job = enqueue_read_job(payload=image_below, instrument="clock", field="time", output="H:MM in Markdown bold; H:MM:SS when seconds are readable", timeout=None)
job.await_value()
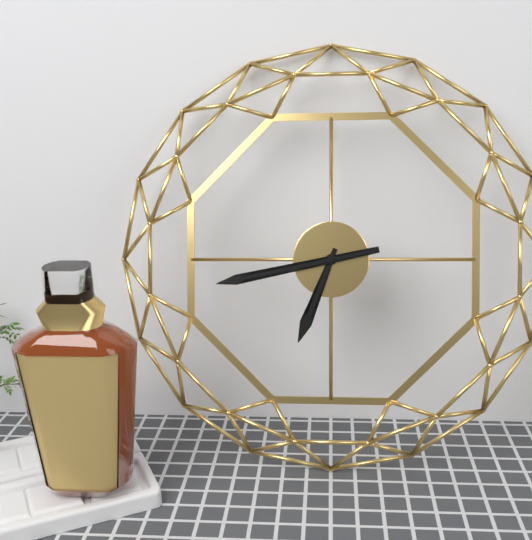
**6:43**
